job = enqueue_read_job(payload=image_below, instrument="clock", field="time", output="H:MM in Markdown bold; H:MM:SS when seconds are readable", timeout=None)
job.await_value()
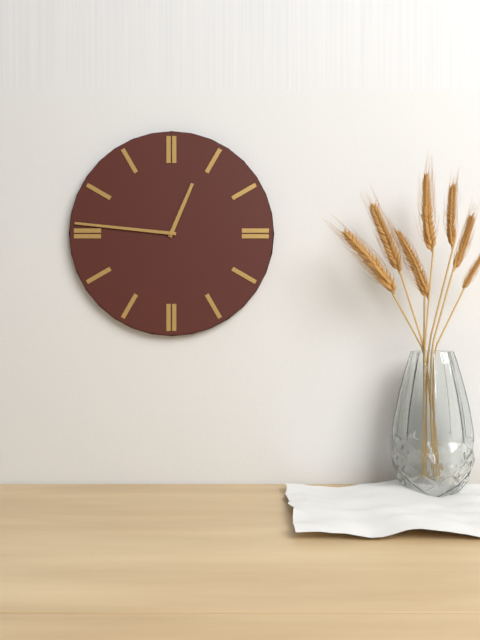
**12:46**
